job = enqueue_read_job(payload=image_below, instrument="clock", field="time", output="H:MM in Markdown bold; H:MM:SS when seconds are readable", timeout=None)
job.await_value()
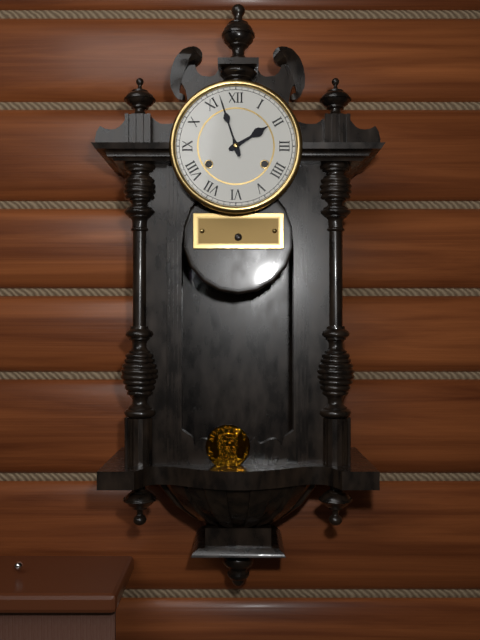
**1:57**
